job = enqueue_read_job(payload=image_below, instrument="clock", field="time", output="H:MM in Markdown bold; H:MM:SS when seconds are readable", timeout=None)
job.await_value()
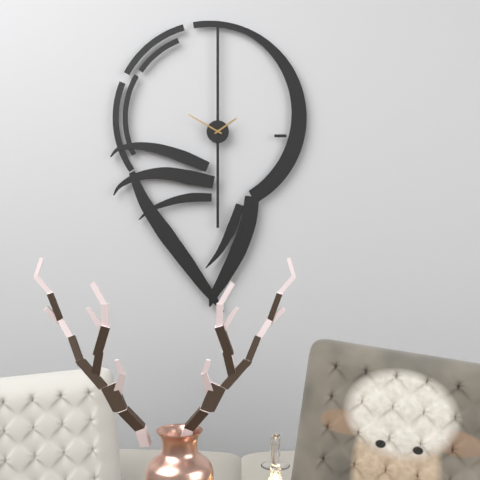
**1:50**
